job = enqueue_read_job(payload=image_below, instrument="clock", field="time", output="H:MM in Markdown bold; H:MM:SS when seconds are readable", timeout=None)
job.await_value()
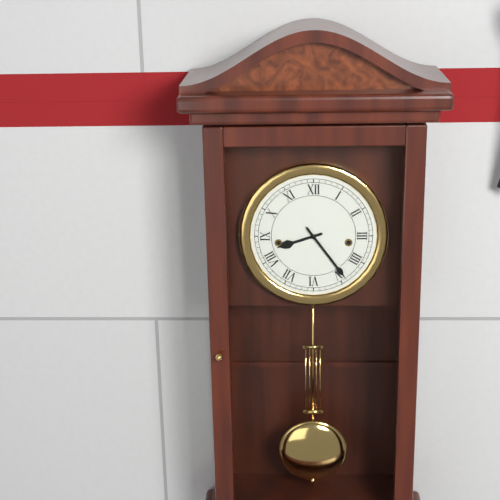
**8:24**
